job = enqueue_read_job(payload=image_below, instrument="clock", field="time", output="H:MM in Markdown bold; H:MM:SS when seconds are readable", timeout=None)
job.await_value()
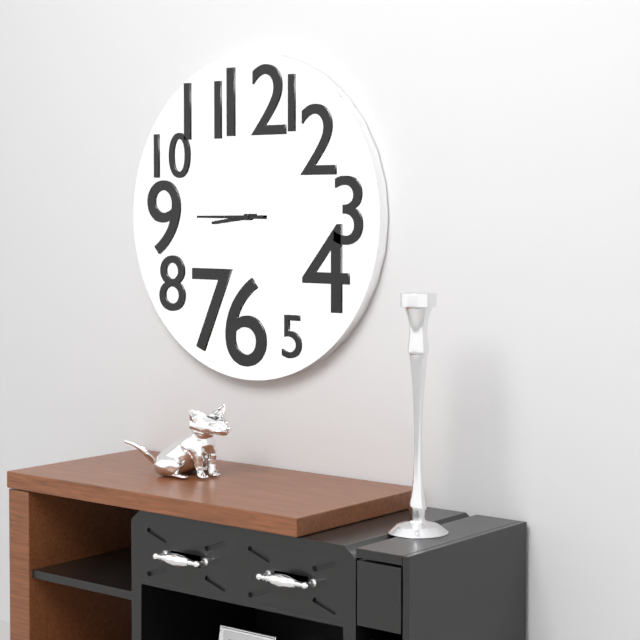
**8:45**
